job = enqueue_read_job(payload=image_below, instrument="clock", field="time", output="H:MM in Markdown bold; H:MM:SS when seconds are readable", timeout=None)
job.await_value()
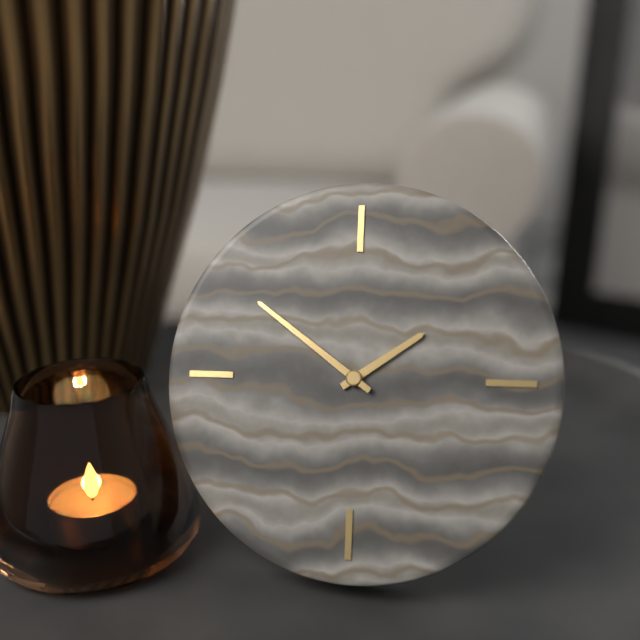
**1:51**
